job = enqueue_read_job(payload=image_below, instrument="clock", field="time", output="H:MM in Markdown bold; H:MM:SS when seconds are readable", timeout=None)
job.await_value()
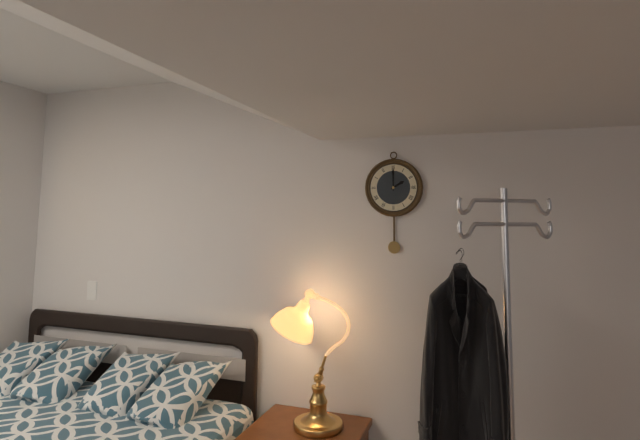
**2:00**
